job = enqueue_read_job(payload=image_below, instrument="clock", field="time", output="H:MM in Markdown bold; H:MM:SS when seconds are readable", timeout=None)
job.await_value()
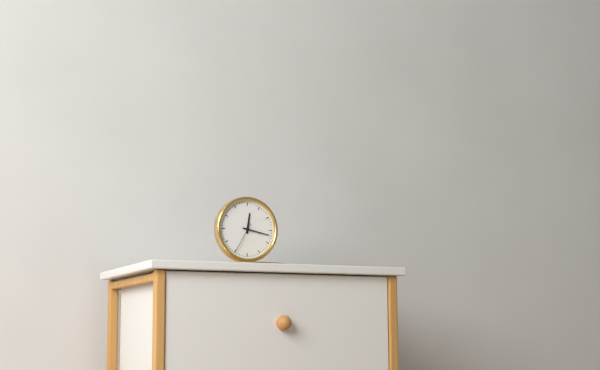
**12:17**
